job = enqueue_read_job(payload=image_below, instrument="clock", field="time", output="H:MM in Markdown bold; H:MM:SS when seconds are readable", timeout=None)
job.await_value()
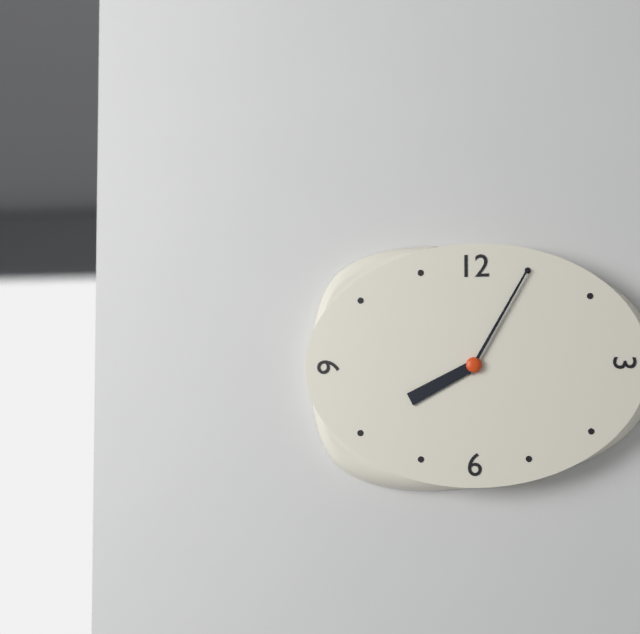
**8:05**
